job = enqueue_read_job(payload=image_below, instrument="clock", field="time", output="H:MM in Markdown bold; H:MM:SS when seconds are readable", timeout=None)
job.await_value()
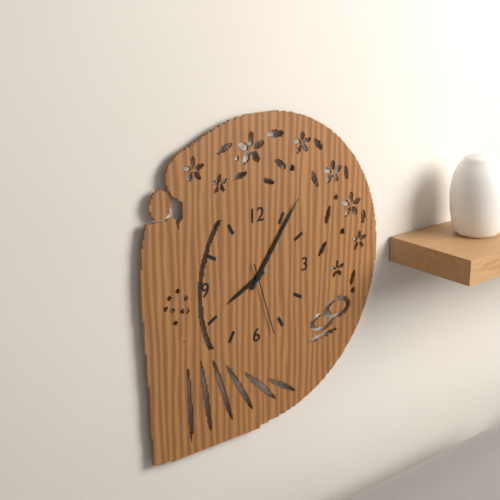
**8:06:27**
